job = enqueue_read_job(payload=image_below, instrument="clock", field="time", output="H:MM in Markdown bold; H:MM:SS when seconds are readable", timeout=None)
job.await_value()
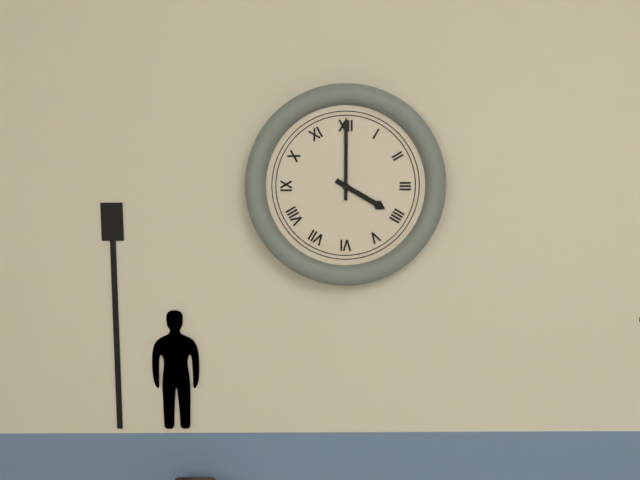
**4:00**
